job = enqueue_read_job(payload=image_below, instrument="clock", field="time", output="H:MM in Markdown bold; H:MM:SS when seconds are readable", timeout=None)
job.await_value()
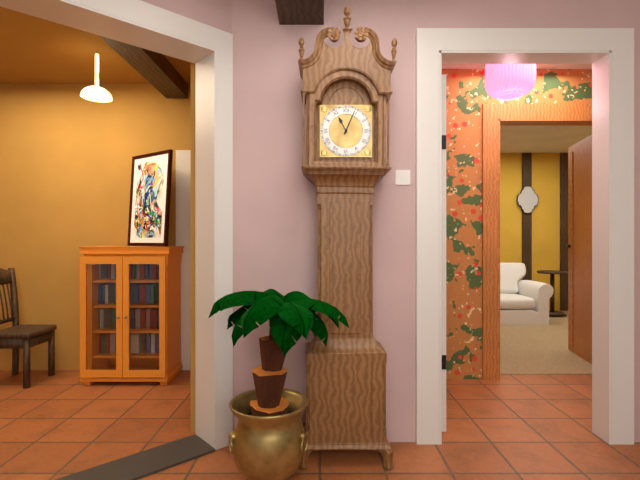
**11:04**
